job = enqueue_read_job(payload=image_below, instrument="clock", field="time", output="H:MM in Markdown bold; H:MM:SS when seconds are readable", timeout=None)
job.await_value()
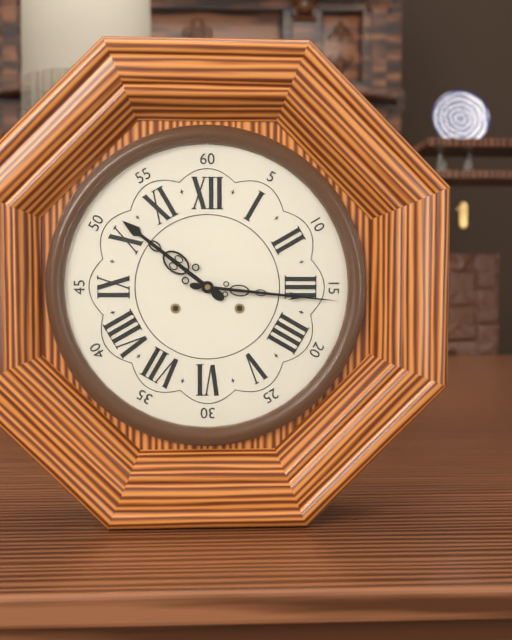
**10:16**
